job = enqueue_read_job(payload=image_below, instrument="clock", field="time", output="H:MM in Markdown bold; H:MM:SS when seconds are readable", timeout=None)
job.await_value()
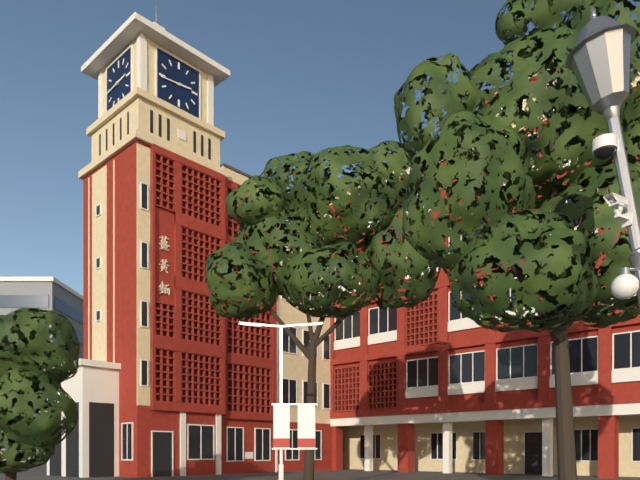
**2:44**
